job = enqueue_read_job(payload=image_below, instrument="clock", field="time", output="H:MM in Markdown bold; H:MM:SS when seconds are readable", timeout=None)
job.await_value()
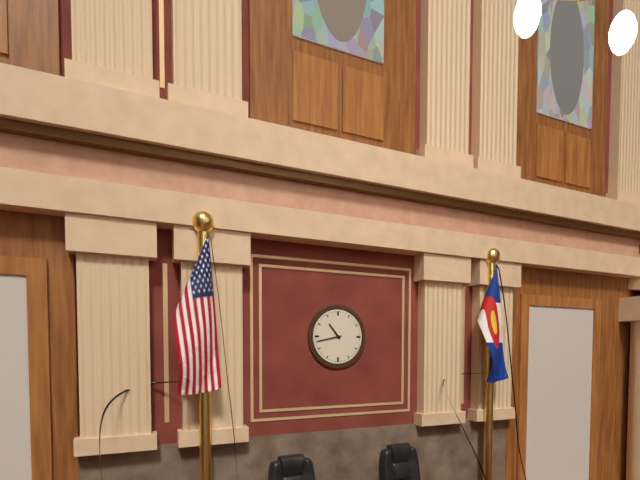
**10:43**
